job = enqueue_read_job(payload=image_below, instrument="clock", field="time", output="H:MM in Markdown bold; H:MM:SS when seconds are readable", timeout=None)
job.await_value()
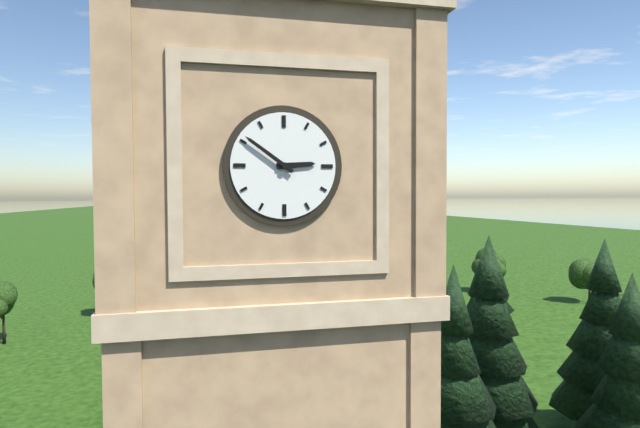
**2:51**
